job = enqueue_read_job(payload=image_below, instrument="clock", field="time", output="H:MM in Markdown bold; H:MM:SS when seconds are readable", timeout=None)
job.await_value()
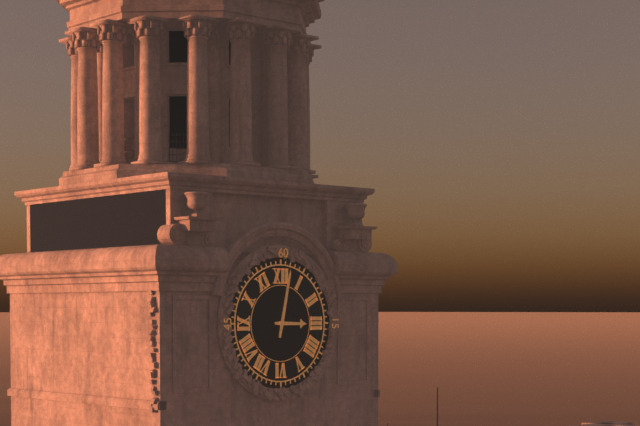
**3:02**
